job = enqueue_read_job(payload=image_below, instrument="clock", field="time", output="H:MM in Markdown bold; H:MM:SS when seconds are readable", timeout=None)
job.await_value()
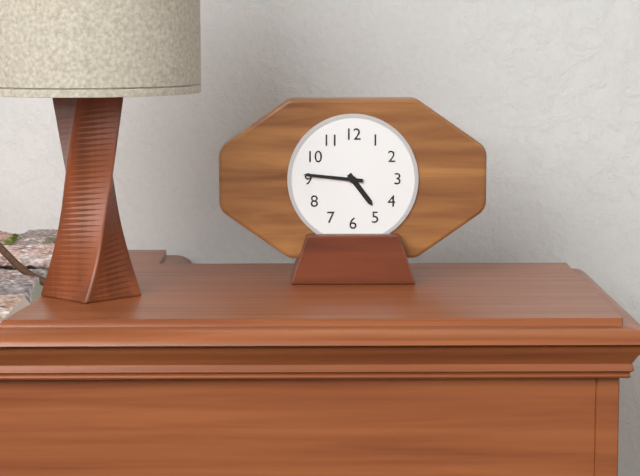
**4:46**
